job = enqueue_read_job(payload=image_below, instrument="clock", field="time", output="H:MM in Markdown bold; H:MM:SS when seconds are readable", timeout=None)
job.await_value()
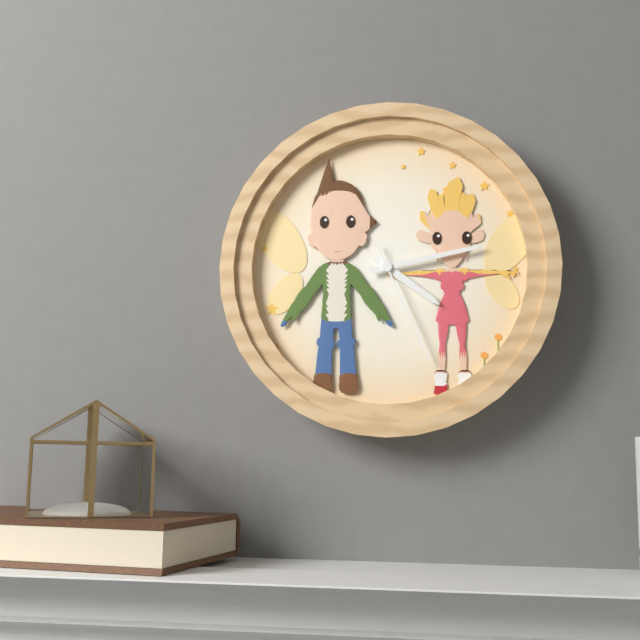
**4:13:26**
